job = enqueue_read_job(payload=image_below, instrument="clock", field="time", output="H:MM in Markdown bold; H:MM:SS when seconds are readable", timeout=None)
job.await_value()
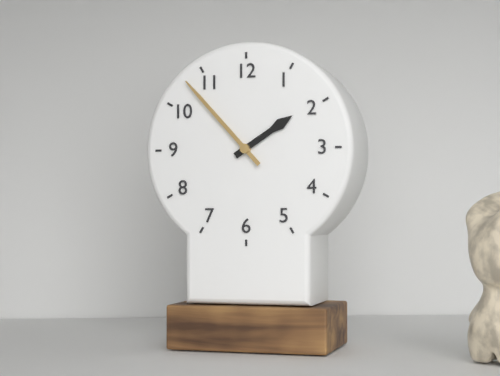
**1:53**
